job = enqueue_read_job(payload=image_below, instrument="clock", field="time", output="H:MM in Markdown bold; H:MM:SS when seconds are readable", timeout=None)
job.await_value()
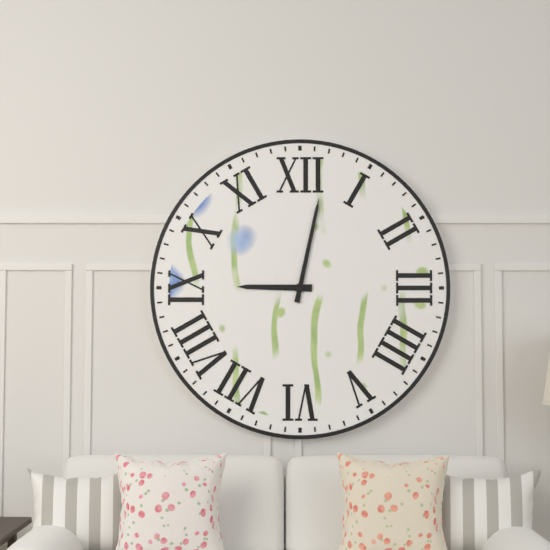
**9:02**
